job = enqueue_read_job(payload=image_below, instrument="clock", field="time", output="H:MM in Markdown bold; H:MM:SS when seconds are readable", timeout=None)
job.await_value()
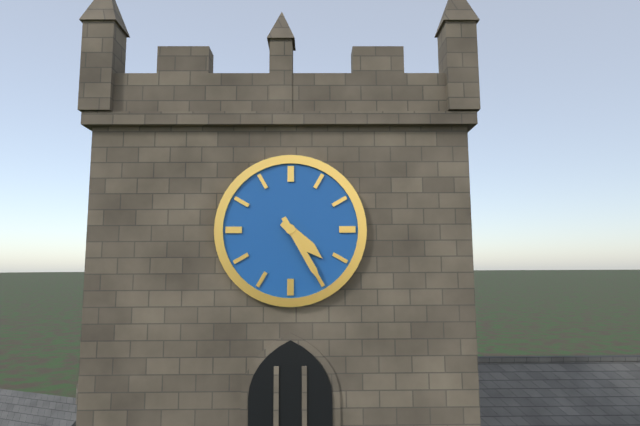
**4:25**
